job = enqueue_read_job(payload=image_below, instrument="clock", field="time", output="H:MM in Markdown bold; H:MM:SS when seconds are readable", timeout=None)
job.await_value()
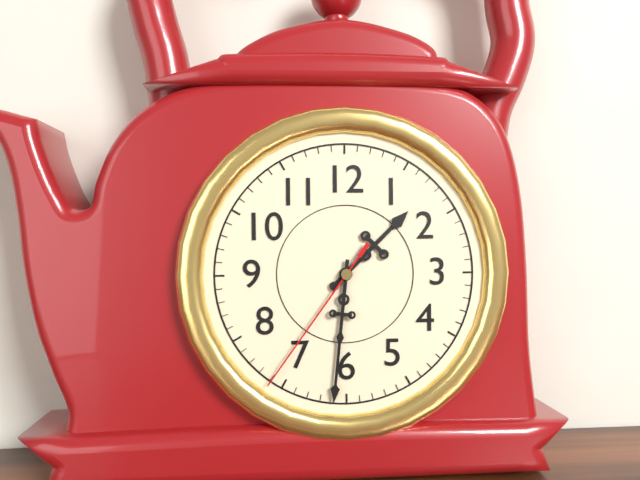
**1:31:36**
